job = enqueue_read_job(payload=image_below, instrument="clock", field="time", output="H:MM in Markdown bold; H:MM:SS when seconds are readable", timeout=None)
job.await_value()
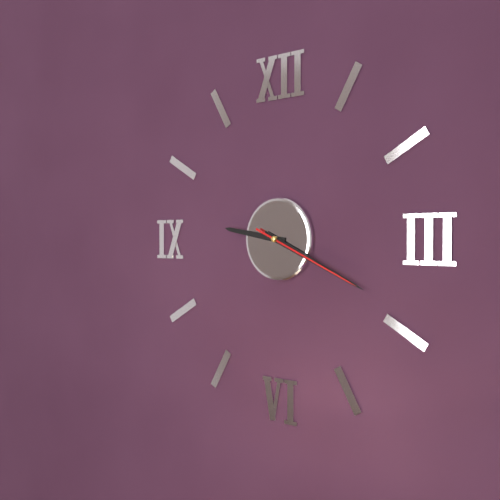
**9:19:19**
